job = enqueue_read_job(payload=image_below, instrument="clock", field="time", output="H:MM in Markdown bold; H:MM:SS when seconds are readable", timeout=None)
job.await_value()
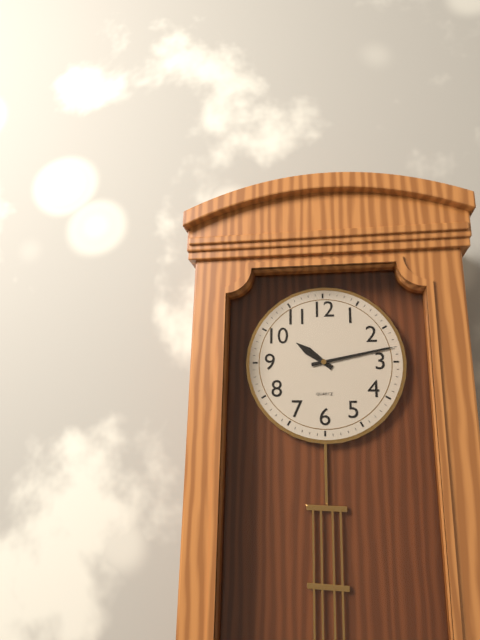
**10:13**
